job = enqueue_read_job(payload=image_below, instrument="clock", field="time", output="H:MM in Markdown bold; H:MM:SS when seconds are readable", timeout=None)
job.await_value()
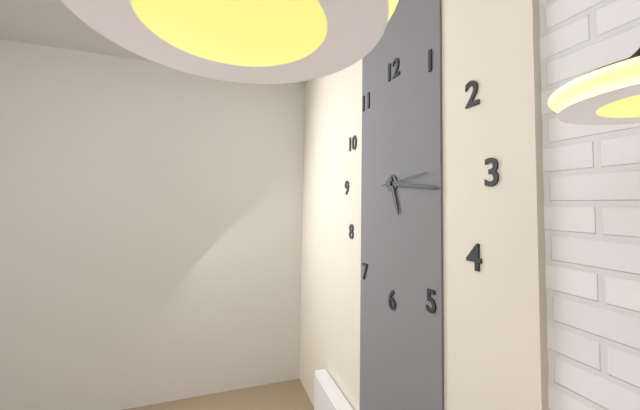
**5:16**
